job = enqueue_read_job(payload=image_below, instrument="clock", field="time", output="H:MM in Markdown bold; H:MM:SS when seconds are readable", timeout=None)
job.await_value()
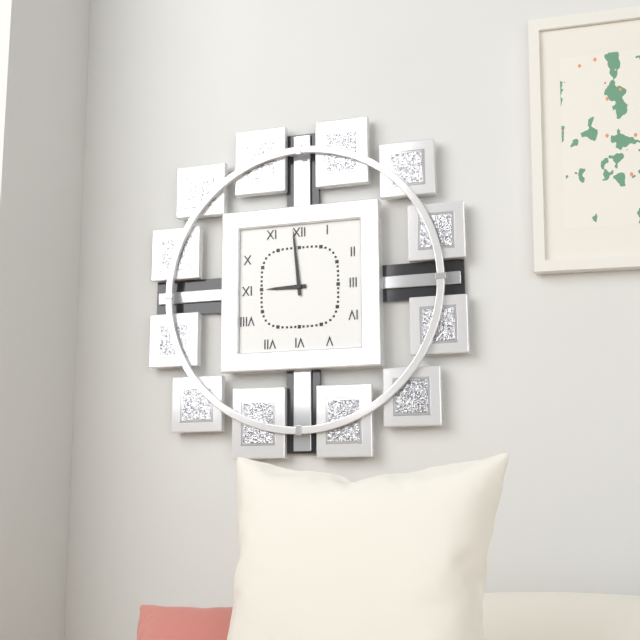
**8:59**
